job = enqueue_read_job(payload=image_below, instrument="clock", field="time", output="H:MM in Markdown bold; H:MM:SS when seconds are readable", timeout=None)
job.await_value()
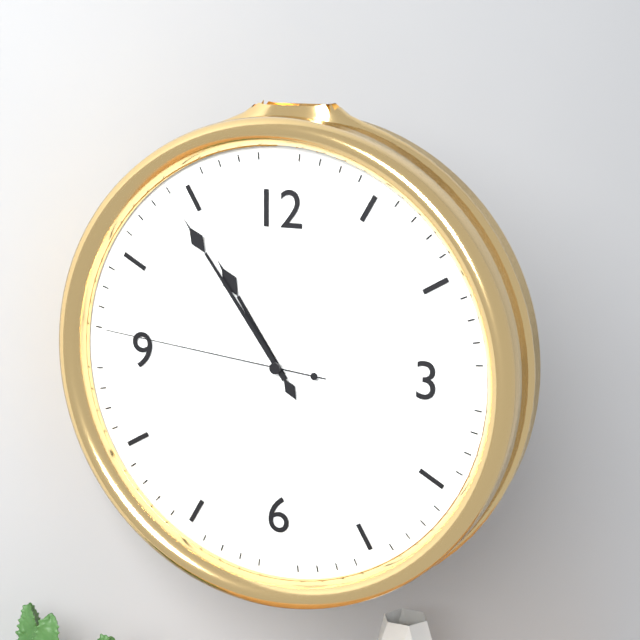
**10:54:46**
